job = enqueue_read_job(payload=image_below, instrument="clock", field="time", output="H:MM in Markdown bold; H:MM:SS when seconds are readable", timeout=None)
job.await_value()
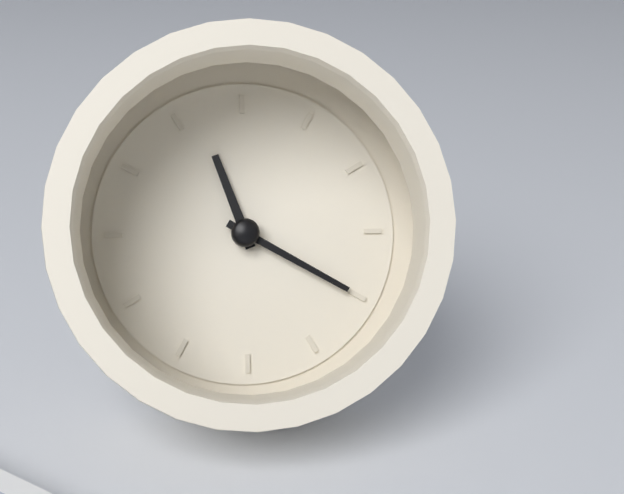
**11:20**
